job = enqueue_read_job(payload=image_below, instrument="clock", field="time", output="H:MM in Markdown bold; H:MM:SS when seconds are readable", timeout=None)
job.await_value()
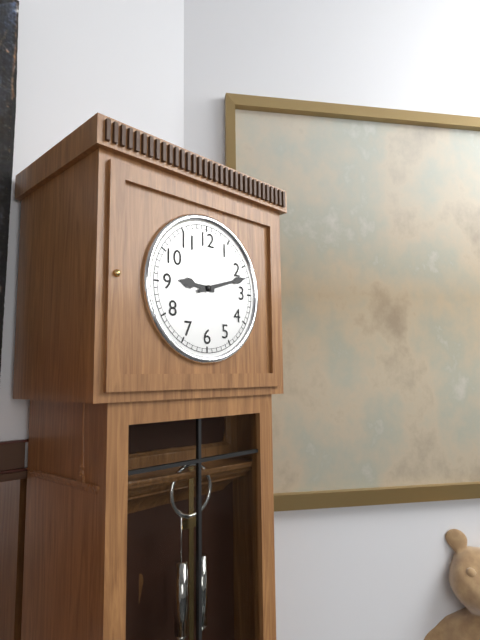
**9:12**
